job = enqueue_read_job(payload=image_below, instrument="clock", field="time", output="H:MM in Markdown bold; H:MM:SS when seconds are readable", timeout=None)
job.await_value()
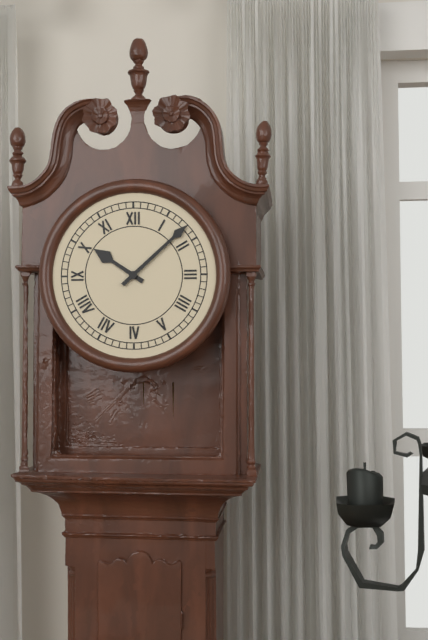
**10:08**
